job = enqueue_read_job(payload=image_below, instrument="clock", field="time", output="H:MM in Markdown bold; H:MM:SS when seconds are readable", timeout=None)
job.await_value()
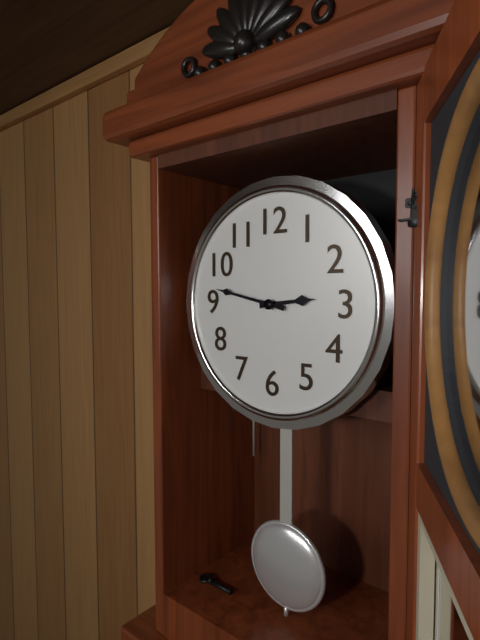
**2:47**
